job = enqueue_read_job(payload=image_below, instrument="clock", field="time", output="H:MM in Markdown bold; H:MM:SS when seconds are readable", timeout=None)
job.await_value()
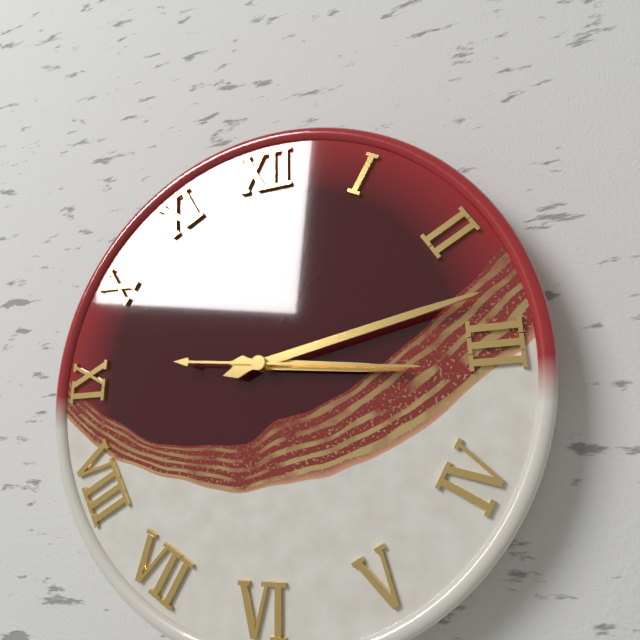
**3:13:16**
